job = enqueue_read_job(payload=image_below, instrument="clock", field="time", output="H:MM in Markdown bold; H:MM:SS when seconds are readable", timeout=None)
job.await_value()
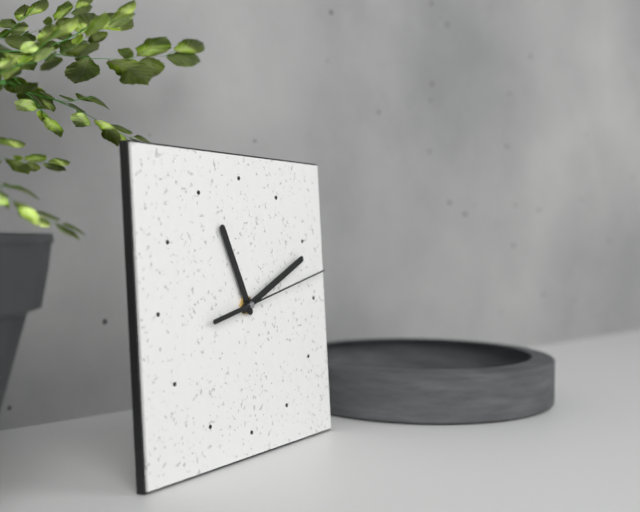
**11:11:13**
